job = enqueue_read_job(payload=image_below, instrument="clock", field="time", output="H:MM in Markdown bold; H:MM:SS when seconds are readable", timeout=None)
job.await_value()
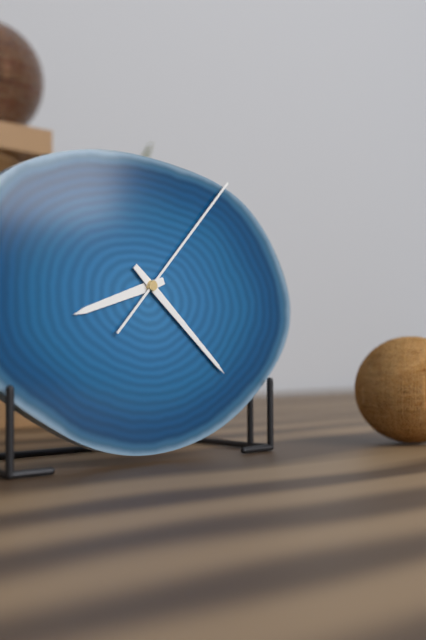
**8:22:07**
